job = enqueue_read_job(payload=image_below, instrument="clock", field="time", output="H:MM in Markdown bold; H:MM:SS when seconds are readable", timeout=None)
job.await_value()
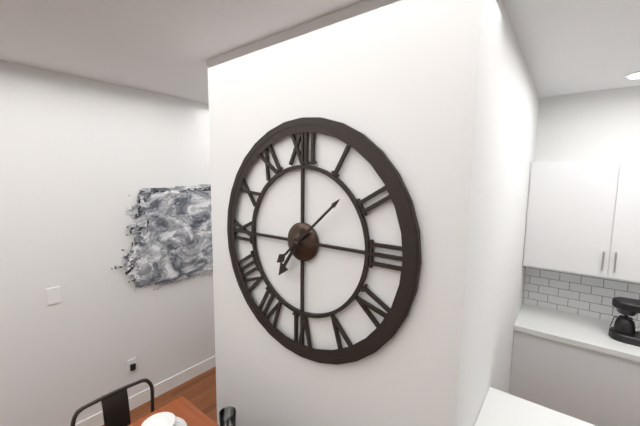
**7:08**
